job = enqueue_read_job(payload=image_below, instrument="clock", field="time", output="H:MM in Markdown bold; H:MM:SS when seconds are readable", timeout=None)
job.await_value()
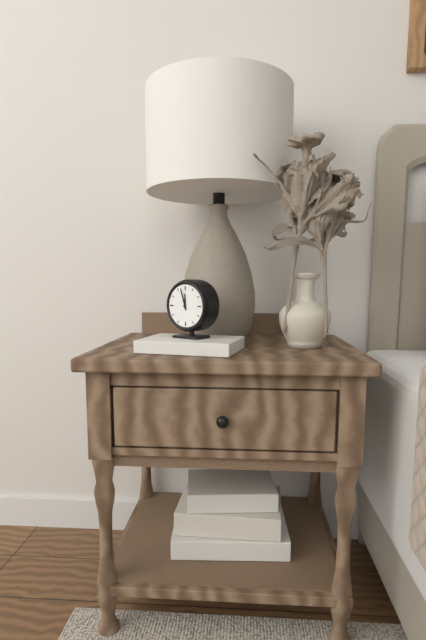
**11:57**
